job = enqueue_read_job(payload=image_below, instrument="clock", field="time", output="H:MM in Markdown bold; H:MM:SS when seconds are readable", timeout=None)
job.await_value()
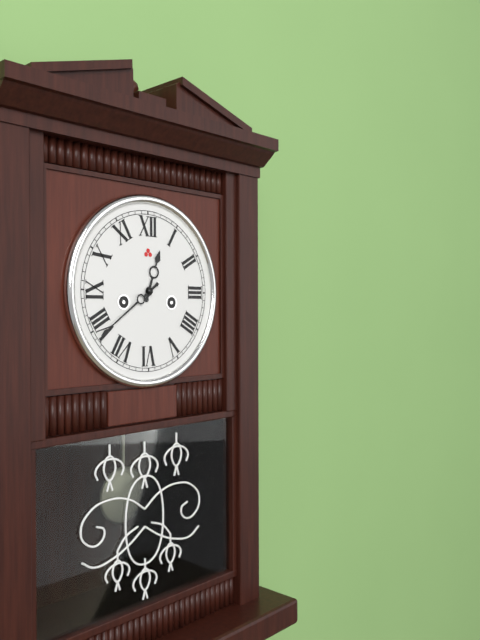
**12:39**
